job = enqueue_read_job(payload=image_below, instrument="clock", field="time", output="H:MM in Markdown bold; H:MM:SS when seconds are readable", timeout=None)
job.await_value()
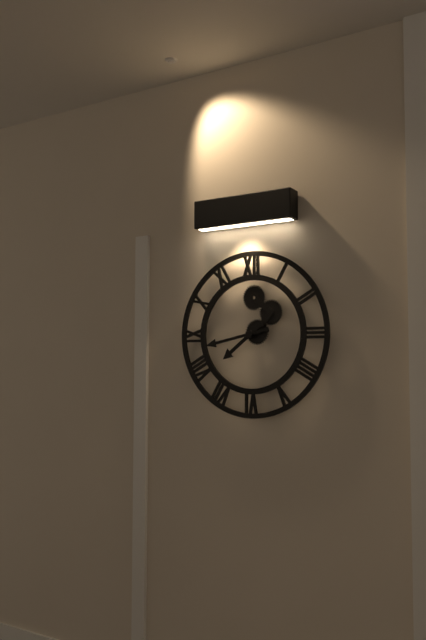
**7:43**
